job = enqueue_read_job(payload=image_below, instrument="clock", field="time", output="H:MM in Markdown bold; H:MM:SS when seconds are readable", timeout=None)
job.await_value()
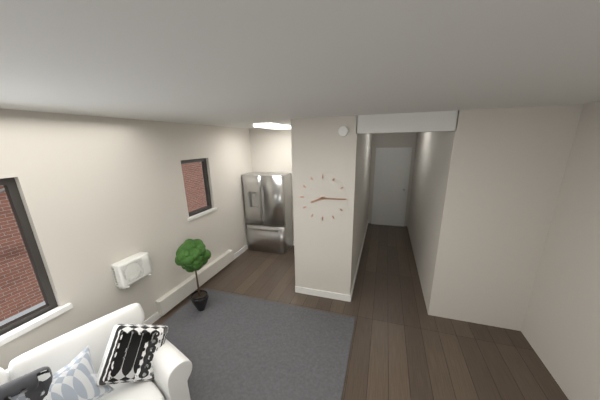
**8:15**
